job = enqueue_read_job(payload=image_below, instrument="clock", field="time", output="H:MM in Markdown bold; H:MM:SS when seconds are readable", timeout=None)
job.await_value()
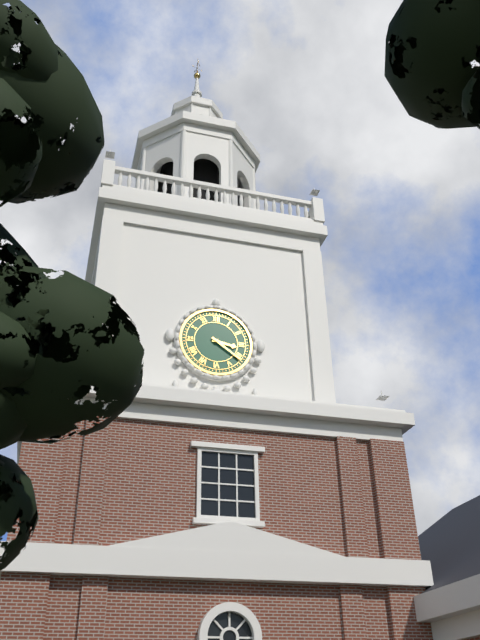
**3:21**
